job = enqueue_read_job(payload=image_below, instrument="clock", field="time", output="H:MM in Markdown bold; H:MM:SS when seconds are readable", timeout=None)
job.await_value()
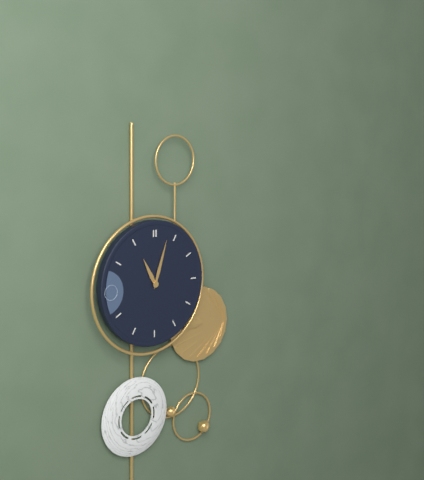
**11:03**
